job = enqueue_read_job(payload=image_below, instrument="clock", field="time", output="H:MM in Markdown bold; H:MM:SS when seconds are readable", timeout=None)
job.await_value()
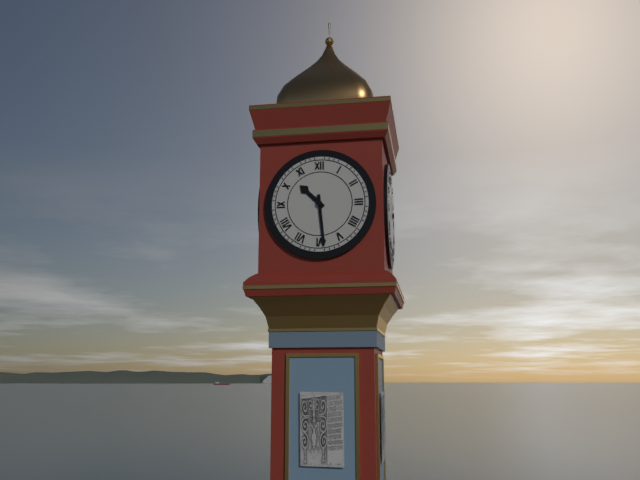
**10:29**
